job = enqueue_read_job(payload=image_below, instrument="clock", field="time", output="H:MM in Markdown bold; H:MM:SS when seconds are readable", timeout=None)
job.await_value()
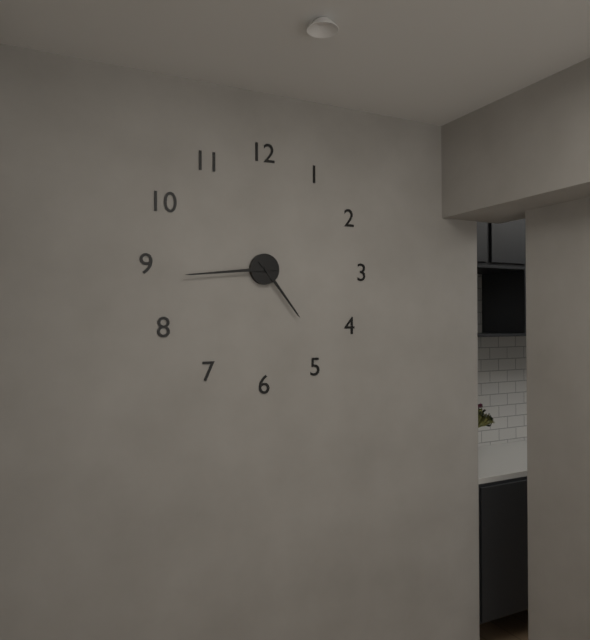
**4:44**
